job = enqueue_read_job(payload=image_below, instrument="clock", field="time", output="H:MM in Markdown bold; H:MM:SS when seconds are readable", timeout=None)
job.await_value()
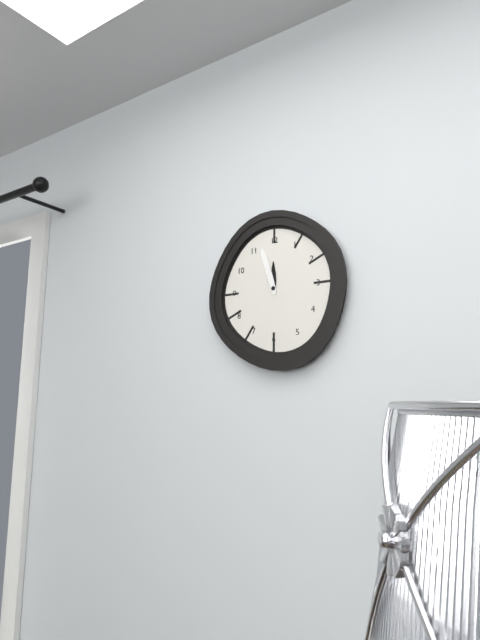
**11:57**
